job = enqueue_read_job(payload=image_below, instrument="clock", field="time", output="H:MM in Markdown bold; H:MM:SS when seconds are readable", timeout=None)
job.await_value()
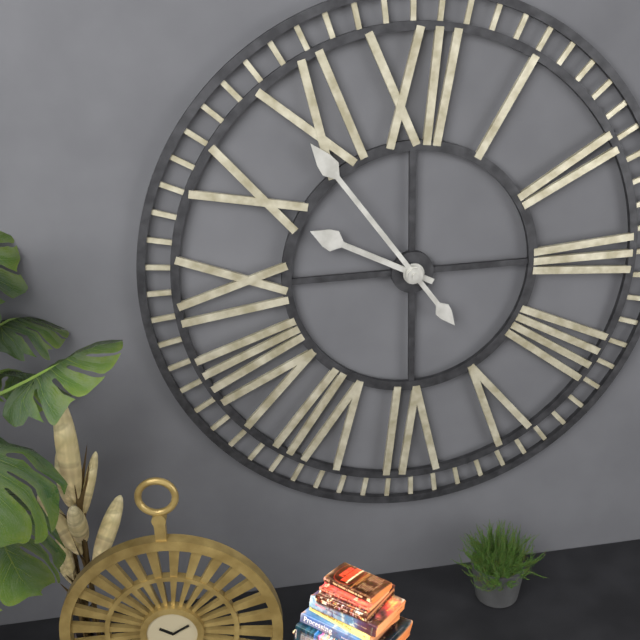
**9:54**
